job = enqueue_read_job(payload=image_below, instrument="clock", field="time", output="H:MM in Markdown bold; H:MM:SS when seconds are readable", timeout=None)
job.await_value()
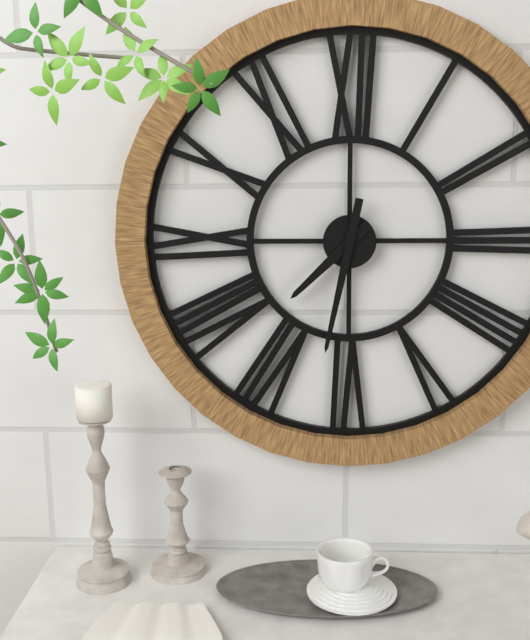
**7:32**
